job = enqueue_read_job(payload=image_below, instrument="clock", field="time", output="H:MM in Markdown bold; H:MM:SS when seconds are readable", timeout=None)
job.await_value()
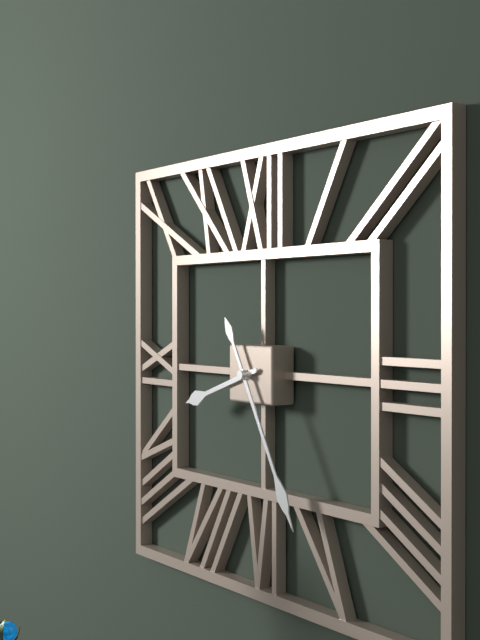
**8:25**
